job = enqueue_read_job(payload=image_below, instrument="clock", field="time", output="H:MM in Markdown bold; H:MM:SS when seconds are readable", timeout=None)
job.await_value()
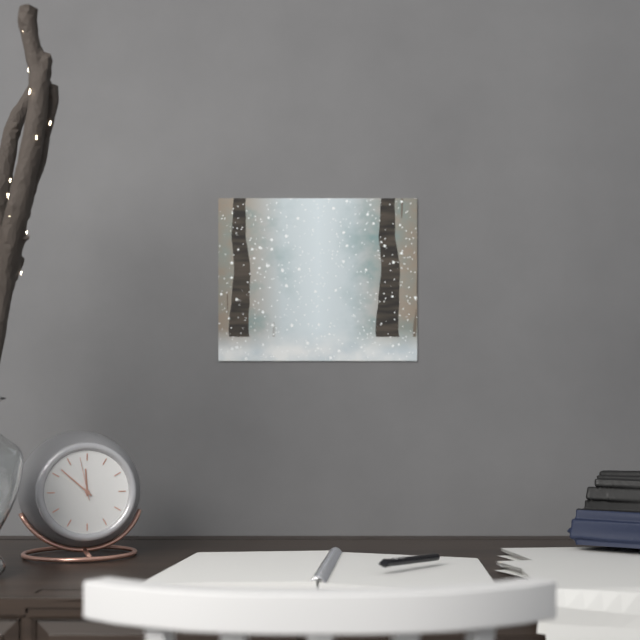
**11:52**
